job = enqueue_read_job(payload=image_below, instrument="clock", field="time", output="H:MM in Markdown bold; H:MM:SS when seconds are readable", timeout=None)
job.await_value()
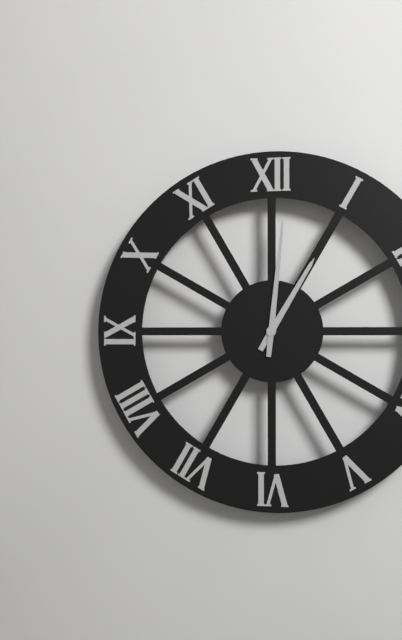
**1:01**
